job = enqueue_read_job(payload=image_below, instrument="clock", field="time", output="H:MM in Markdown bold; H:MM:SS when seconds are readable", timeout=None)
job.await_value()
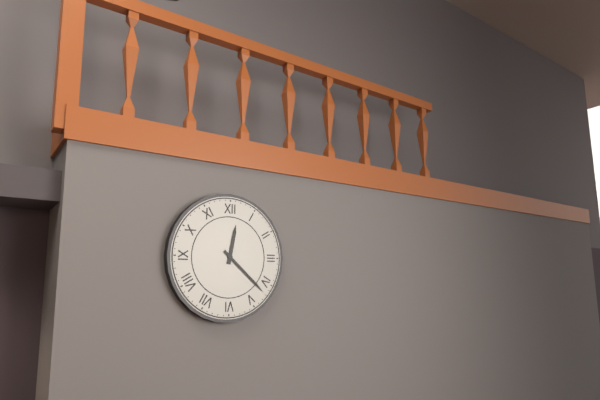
**12:22**
